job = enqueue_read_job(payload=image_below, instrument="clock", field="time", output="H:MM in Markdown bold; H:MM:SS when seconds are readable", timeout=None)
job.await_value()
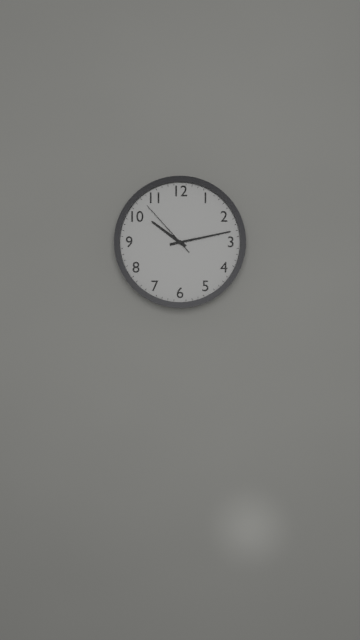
**10:13:53**
